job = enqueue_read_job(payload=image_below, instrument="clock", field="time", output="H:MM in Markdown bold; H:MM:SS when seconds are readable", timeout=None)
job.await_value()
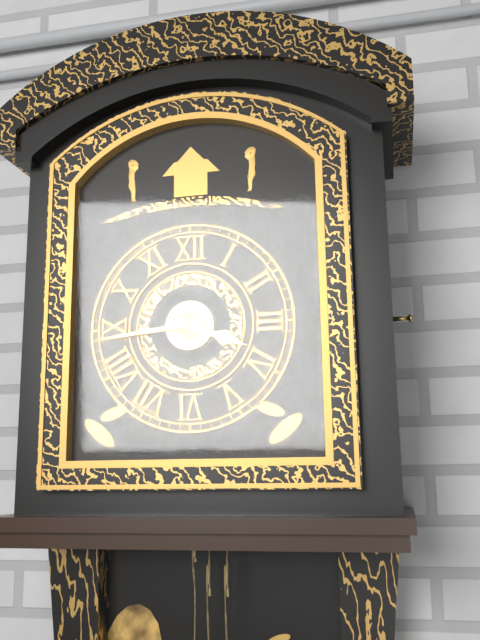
**3:44**
